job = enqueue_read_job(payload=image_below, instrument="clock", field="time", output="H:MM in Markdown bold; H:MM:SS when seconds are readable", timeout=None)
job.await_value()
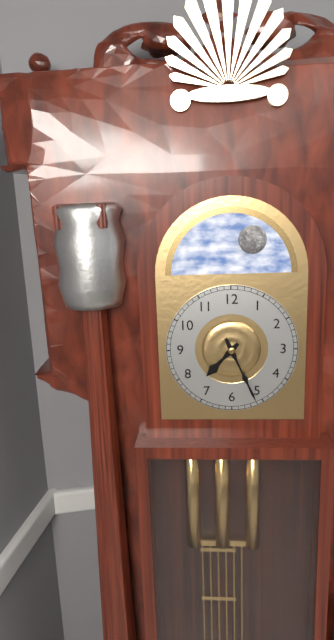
**7:26**
